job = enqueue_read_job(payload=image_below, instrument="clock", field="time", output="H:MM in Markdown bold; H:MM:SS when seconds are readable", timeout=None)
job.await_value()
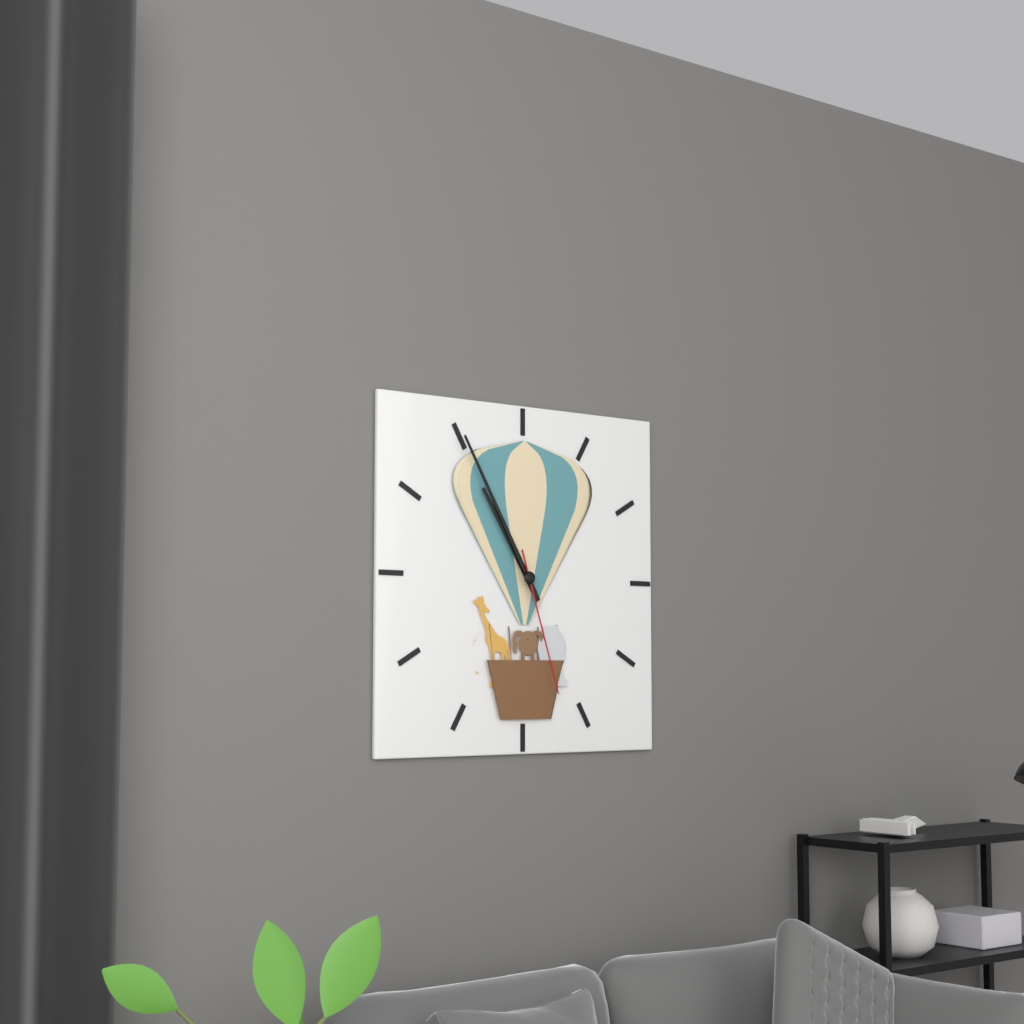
**10:55:27**
